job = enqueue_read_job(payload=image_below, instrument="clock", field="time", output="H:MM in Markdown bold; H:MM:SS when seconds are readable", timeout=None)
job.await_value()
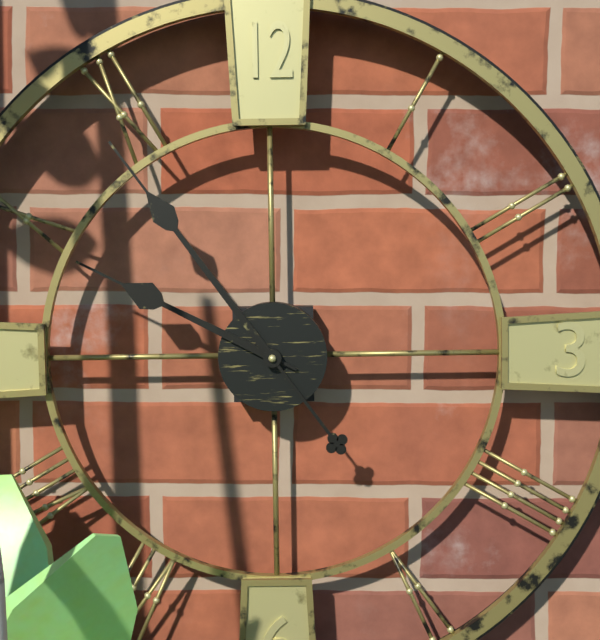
**9:54**
